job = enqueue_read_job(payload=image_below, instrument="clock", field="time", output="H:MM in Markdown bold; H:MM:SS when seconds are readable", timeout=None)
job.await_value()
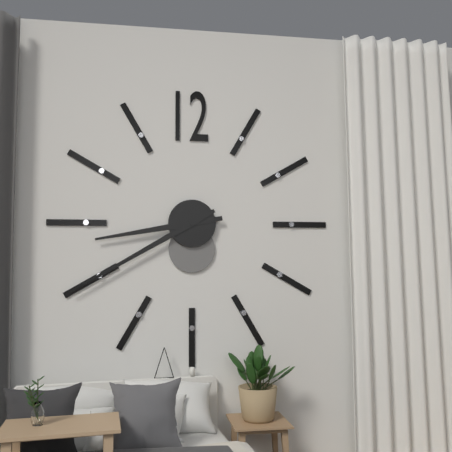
**8:40**
